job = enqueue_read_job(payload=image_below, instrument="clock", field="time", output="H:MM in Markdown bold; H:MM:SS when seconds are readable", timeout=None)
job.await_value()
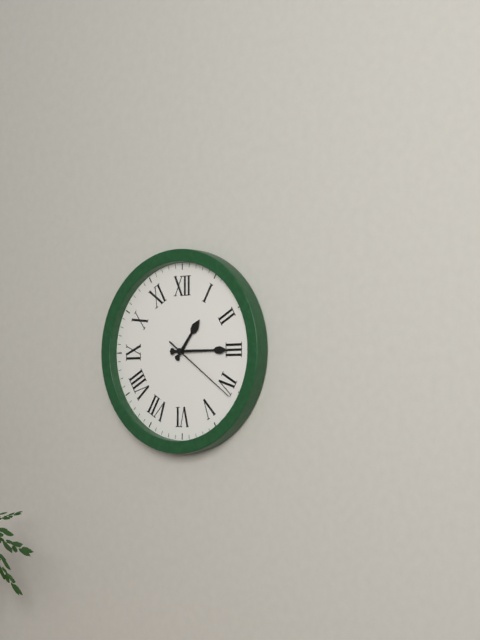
**1:15:21**
